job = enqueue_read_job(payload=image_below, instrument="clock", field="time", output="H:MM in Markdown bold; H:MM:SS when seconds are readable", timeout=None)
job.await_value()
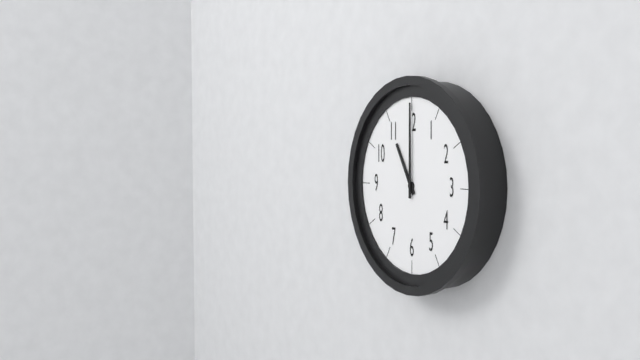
**11:00**
